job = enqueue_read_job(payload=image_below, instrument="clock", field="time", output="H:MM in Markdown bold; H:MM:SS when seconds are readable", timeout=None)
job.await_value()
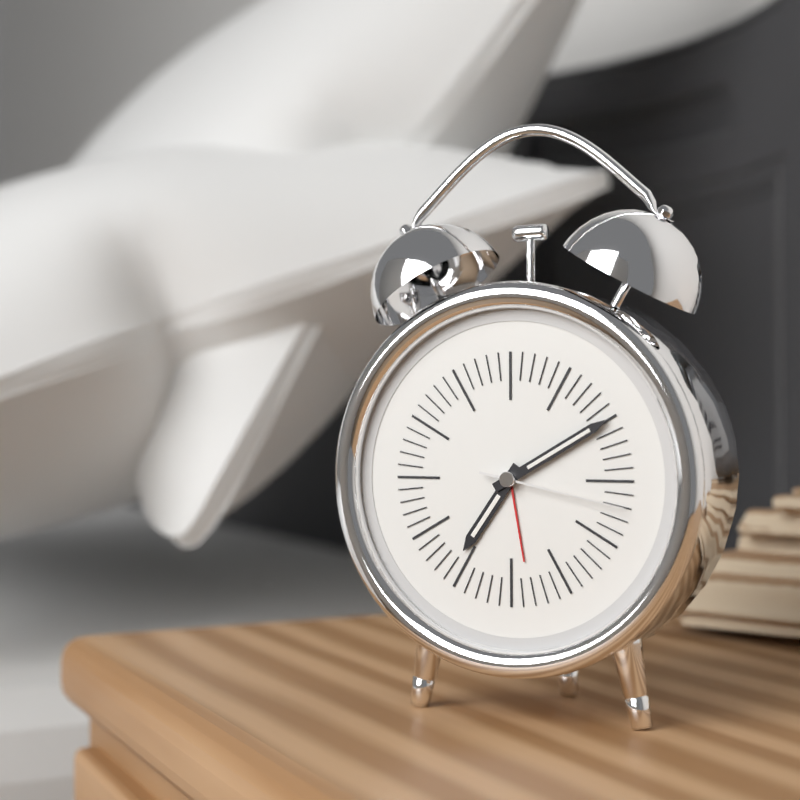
**7:10:17**
